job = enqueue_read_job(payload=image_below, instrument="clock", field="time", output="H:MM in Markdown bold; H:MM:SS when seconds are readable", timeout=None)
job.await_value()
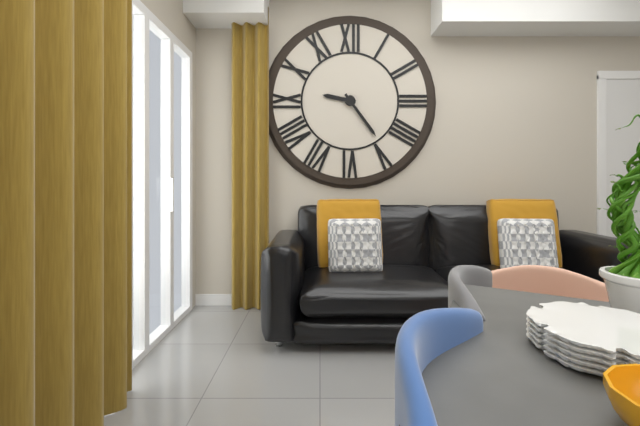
**9:24**
